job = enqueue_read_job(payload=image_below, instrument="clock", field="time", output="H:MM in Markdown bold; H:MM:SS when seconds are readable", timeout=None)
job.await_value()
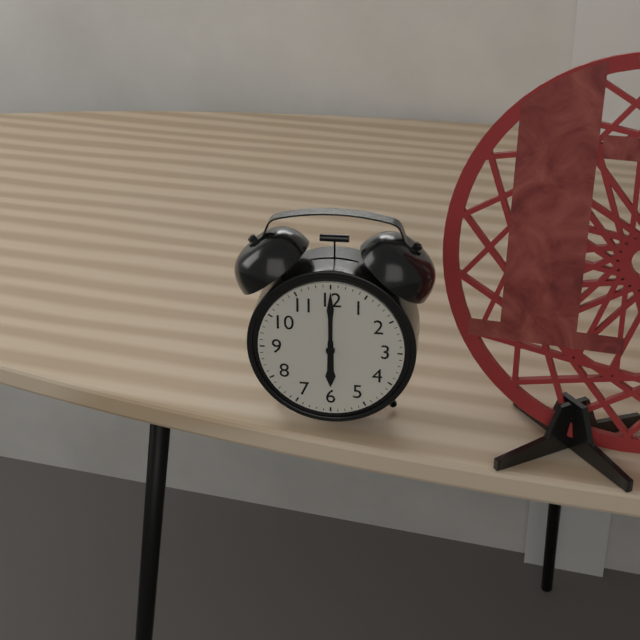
**6:00**
